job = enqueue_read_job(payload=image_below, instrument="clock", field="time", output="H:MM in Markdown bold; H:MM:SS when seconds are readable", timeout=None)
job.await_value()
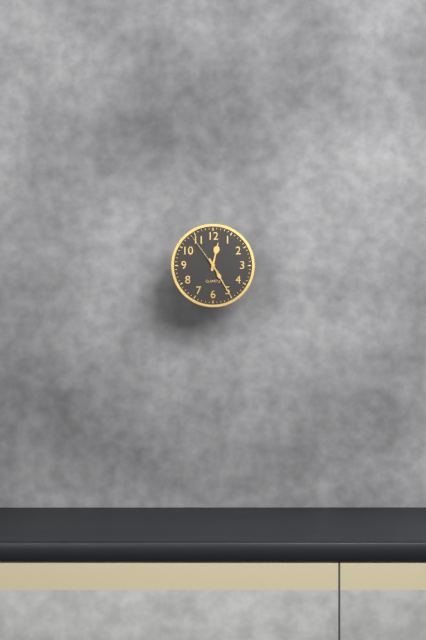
**12:25**
